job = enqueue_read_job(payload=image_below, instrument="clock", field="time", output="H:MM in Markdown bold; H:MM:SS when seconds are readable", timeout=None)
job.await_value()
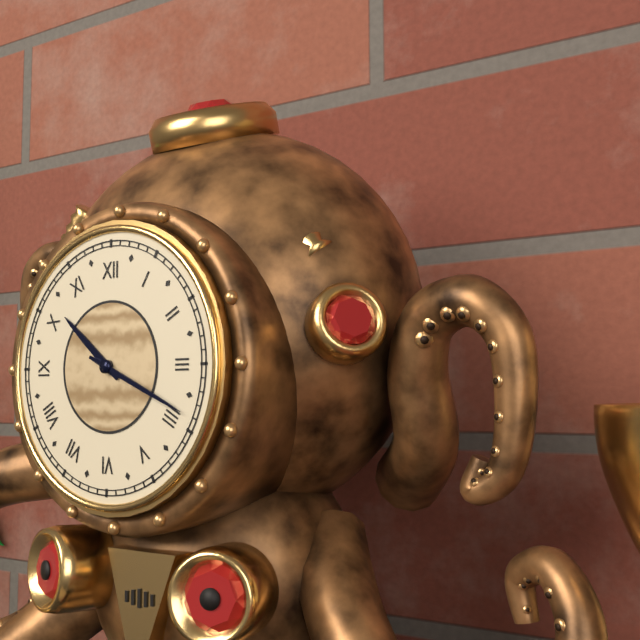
**10:19**
